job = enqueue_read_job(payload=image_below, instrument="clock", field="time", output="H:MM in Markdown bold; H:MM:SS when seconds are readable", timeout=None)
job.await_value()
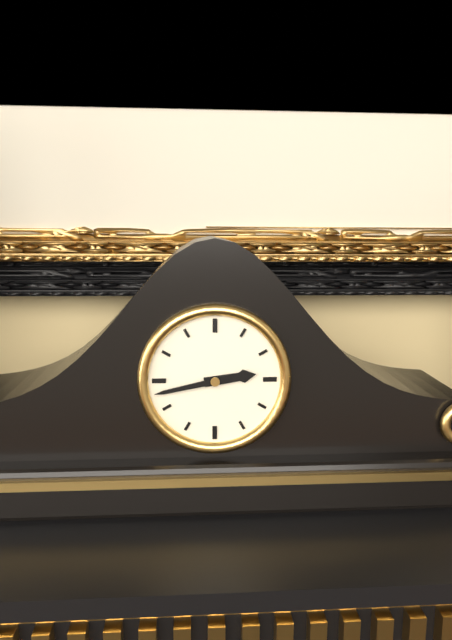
**2:43**
